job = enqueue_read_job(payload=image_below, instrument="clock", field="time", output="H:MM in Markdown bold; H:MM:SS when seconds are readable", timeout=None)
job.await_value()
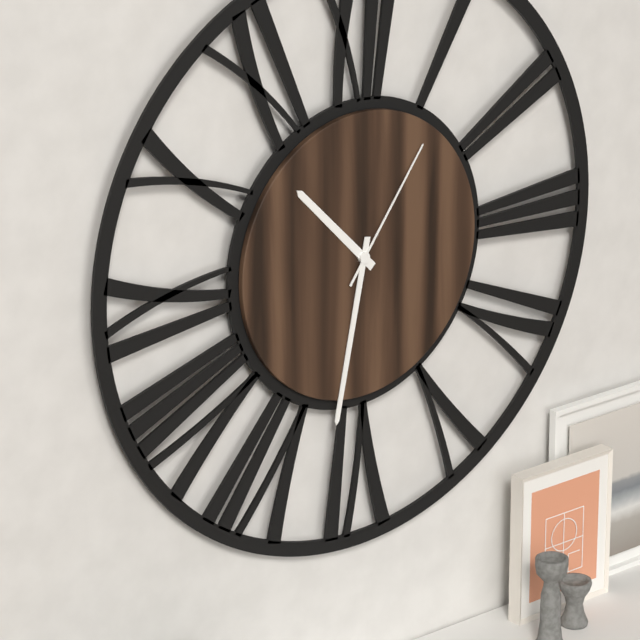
**10:32:06**
